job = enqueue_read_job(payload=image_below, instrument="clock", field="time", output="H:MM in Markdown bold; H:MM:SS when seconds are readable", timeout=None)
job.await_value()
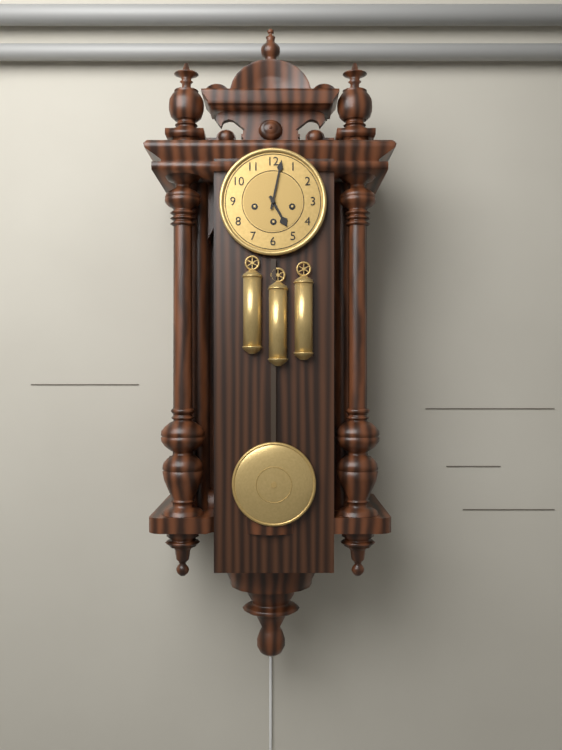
**5:02**
